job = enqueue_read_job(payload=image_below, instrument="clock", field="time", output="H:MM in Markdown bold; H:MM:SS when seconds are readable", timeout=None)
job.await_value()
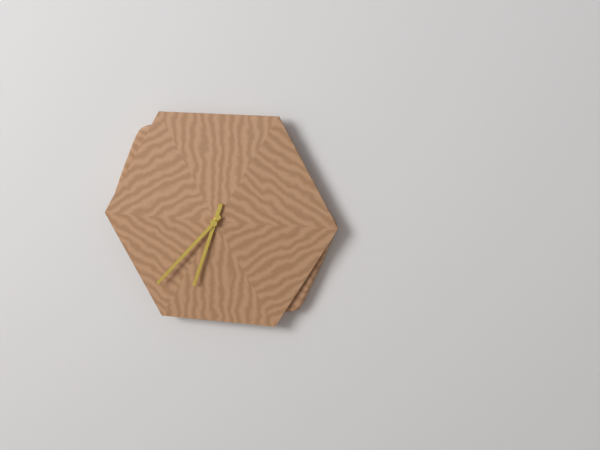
**6:37**
